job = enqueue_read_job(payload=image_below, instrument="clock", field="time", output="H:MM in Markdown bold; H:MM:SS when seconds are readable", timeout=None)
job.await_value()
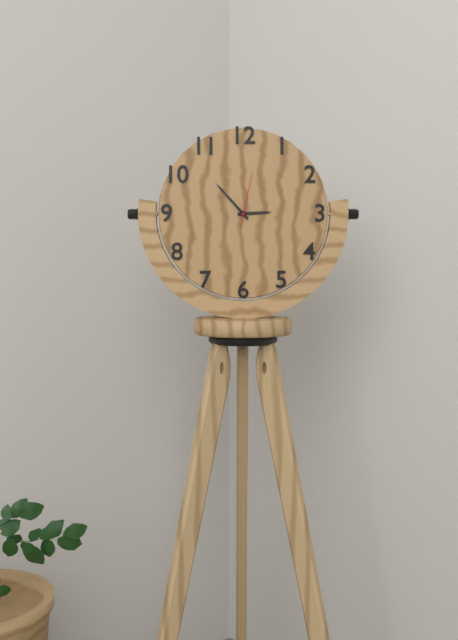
**2:53:02**
